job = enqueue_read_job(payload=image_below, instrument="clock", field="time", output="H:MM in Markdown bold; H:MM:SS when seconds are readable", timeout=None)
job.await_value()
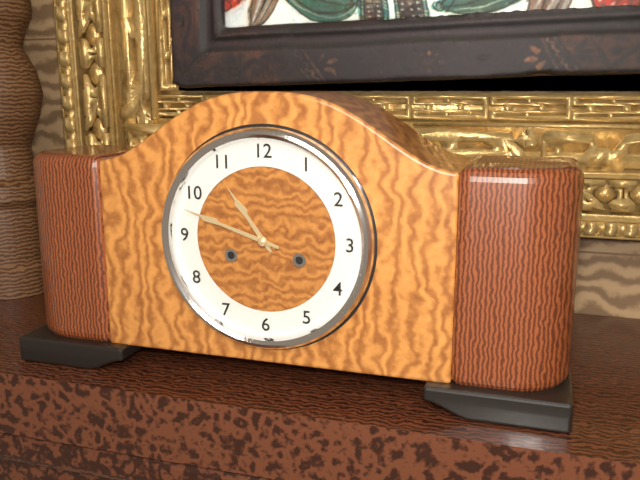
**10:48**
